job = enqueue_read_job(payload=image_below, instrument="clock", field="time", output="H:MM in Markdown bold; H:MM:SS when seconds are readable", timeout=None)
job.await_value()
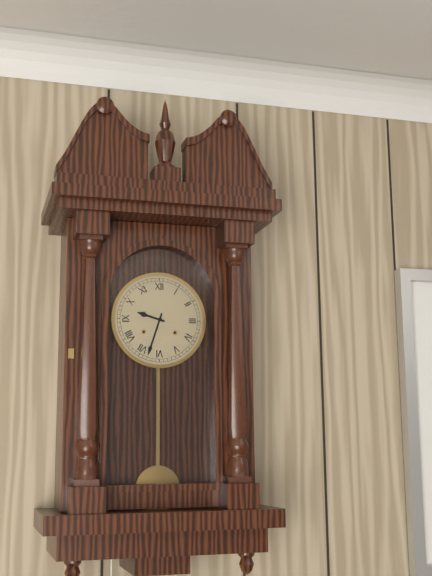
**9:33**
